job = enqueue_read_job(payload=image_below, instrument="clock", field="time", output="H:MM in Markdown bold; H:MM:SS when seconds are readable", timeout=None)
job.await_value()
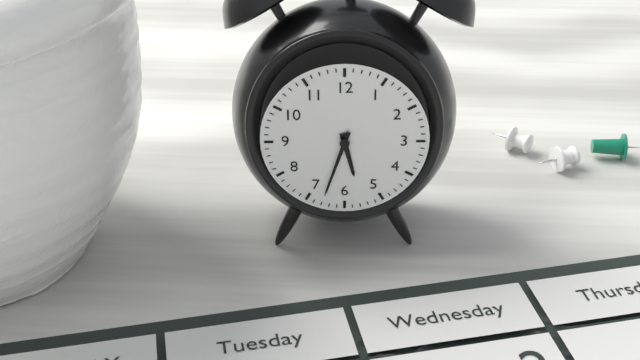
**5:33**
